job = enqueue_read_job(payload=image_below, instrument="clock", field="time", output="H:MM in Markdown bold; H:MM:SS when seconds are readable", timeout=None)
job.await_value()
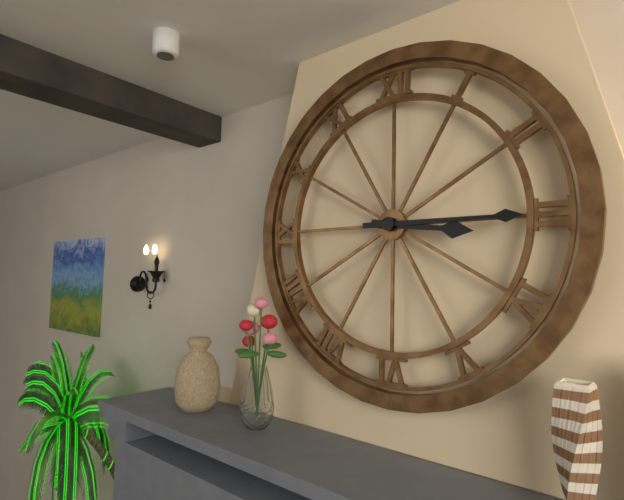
**3:15**
